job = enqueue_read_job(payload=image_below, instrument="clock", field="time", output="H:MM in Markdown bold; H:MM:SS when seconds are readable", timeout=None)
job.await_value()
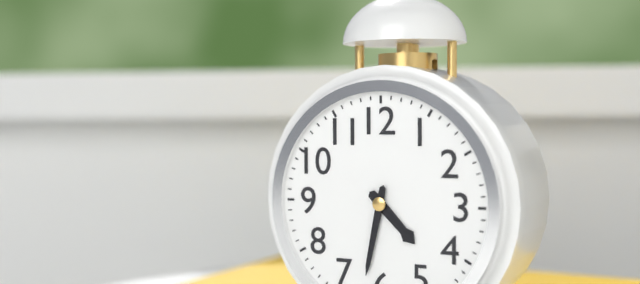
**4:32**
